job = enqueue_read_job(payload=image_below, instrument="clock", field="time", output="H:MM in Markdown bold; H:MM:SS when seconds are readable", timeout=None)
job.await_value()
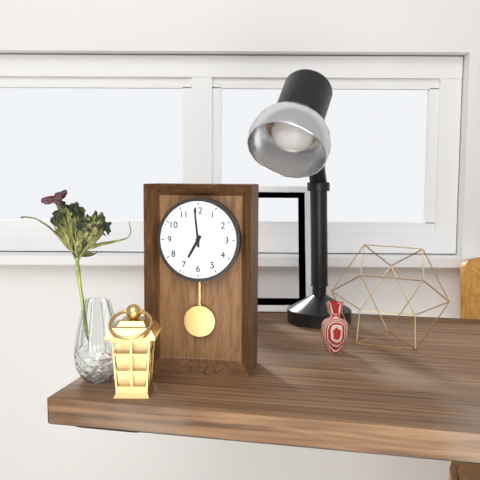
**6:59**
